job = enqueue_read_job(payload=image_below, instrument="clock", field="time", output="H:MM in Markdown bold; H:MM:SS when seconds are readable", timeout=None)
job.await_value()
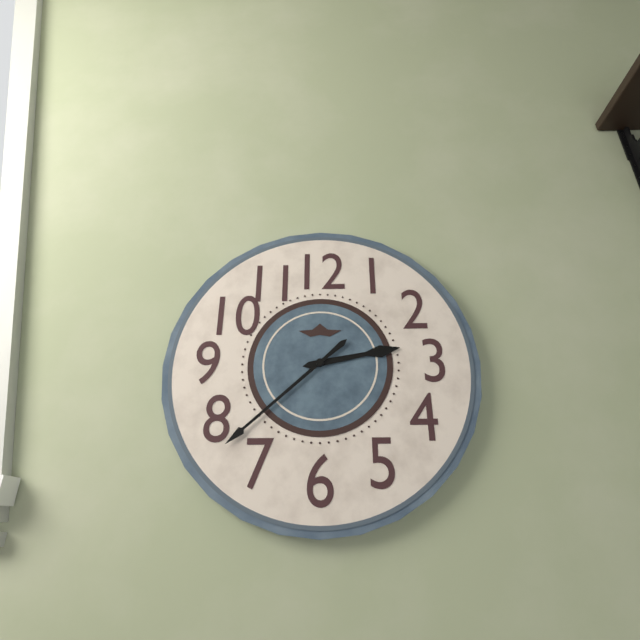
**2:38**
